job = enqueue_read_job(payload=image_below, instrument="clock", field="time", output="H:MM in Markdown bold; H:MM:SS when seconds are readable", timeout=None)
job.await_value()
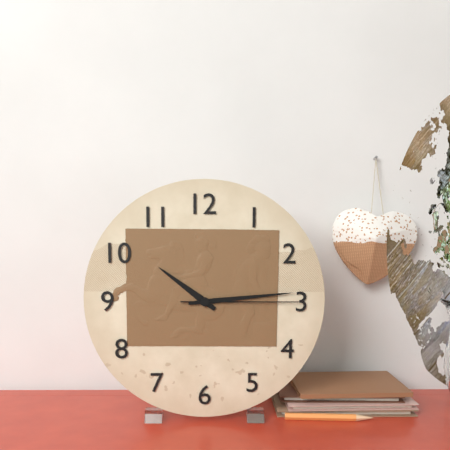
**10:14:15**
